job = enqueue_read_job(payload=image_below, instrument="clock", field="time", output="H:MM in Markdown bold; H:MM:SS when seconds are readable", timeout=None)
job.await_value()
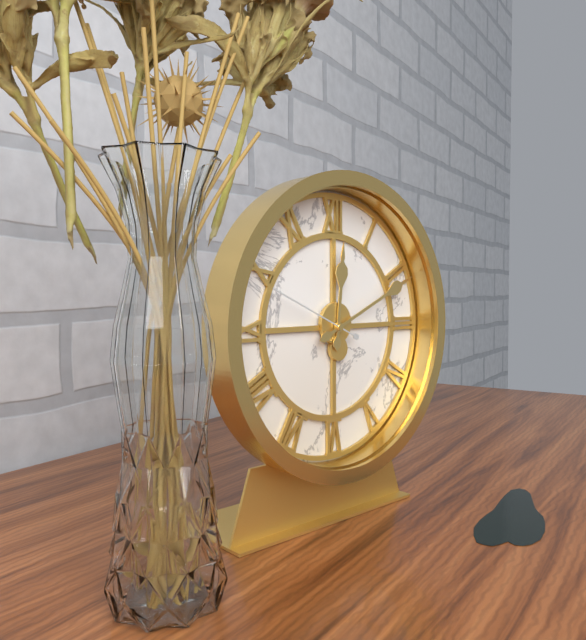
**12:11:49**
